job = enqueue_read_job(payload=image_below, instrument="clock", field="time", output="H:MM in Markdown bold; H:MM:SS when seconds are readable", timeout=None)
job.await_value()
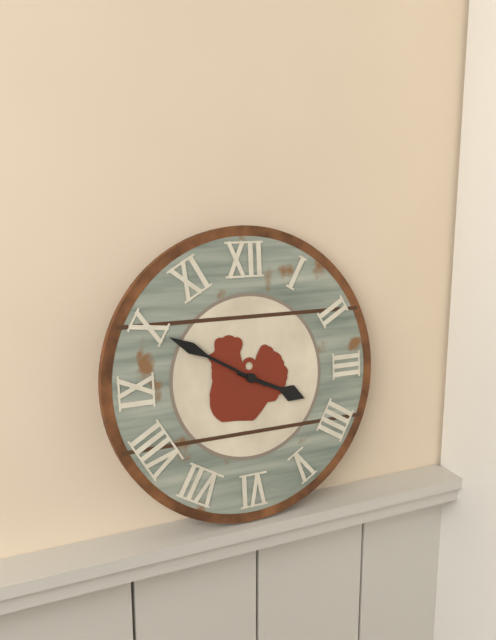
**3:50**
